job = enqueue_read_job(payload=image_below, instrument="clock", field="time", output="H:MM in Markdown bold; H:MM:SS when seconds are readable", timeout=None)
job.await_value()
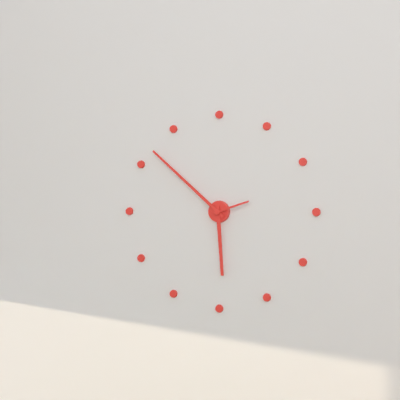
**5:52**
